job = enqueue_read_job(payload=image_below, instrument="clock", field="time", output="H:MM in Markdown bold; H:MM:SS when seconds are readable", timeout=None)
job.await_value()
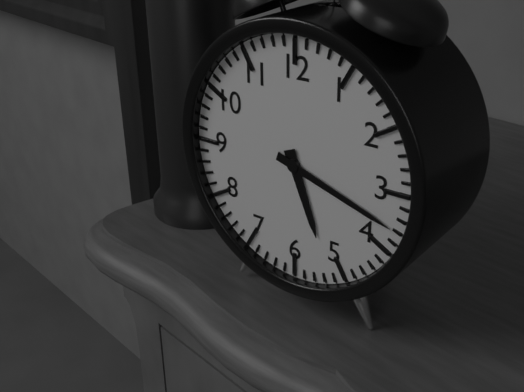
**5:18**
